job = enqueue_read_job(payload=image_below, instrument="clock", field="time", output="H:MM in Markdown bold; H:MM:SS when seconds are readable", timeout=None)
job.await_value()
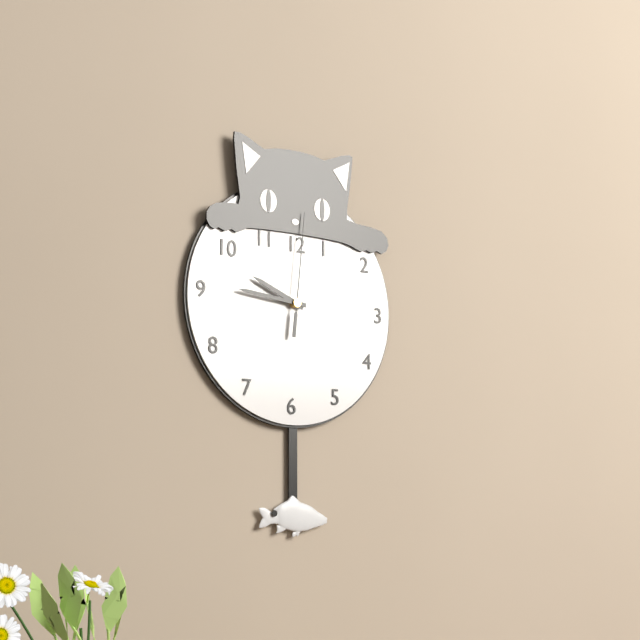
**9:46:01**
